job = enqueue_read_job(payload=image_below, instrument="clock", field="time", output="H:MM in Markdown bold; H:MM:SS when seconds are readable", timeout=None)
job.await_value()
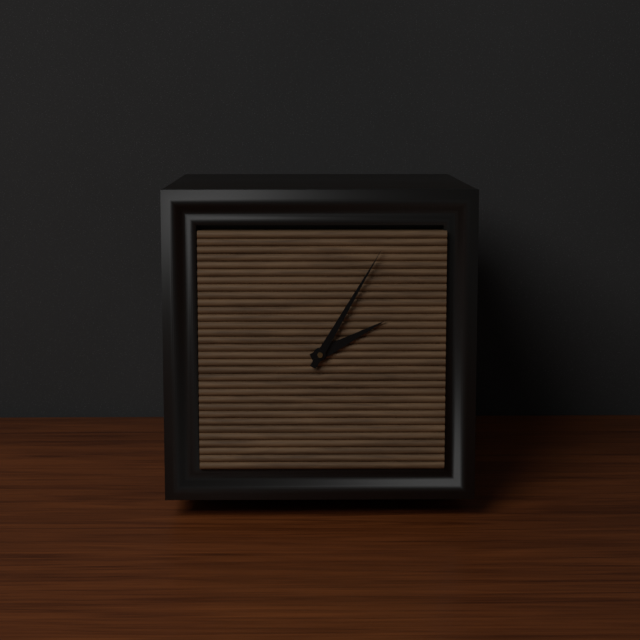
**2:05**
